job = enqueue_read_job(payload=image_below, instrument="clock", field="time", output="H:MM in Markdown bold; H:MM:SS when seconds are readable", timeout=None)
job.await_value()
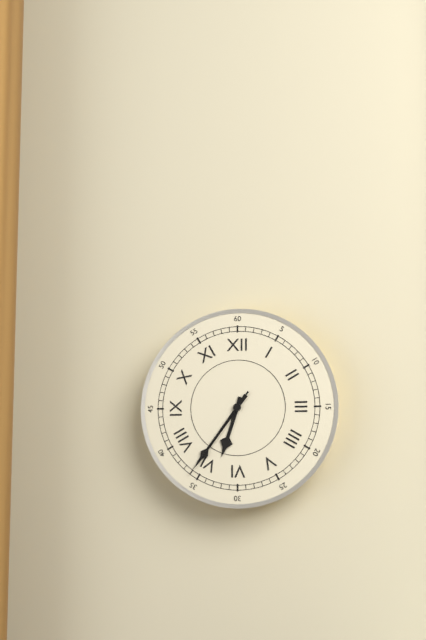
**6:36:36**
